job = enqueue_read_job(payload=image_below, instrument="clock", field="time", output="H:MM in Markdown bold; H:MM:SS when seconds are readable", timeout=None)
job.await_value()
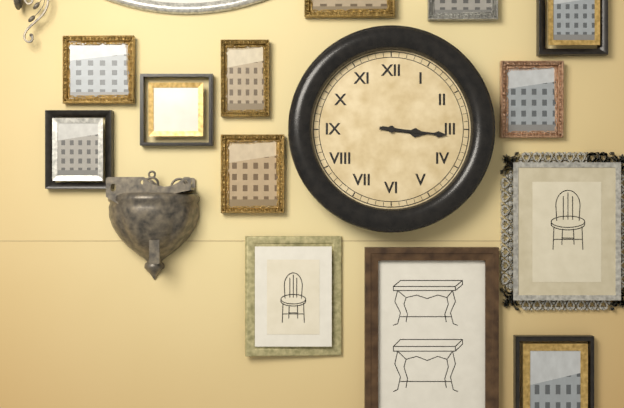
**3:16**
